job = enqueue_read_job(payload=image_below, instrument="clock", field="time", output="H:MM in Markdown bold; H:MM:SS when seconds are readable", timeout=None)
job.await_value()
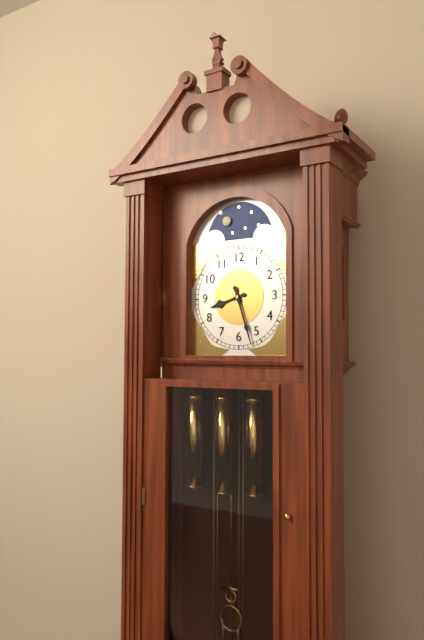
**8:27**
